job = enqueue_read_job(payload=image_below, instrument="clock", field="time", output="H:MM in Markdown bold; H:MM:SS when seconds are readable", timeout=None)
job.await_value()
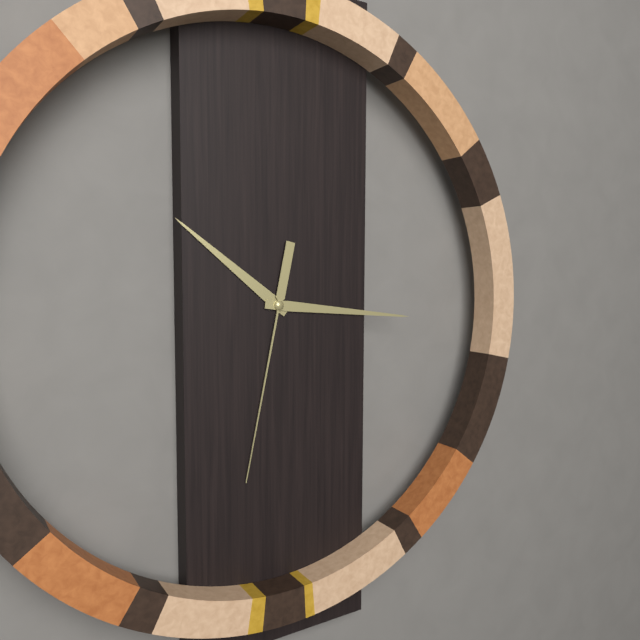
**10:16:32**
